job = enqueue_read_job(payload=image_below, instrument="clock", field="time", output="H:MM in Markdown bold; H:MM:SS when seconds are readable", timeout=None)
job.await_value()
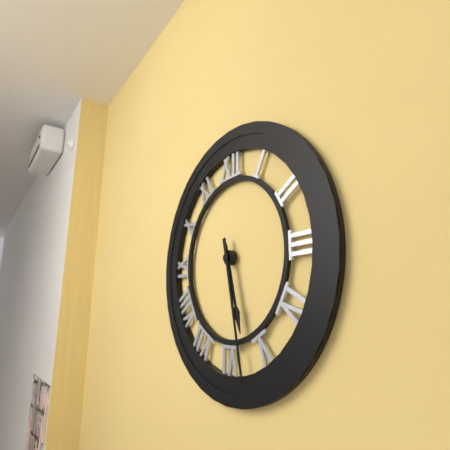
**5:28**
